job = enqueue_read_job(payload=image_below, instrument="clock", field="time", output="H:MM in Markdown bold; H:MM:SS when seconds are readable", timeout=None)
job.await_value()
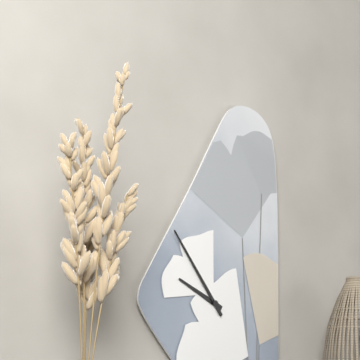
**9:54**
